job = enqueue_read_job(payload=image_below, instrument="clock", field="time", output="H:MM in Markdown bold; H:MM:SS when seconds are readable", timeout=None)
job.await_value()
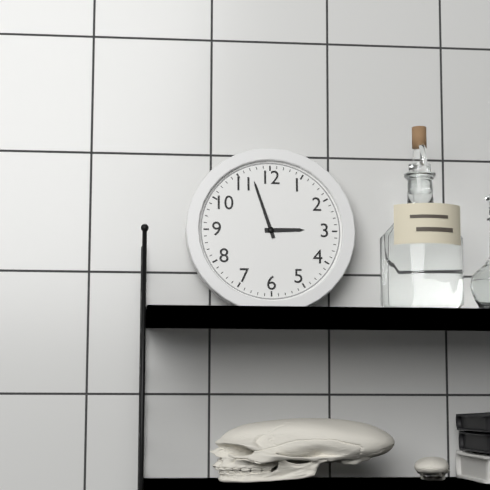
**2:57**
